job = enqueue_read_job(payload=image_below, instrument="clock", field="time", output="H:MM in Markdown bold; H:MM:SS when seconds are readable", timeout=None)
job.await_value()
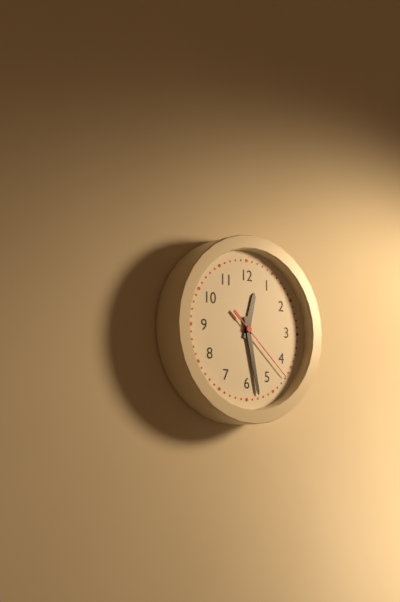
**12:28:22**
